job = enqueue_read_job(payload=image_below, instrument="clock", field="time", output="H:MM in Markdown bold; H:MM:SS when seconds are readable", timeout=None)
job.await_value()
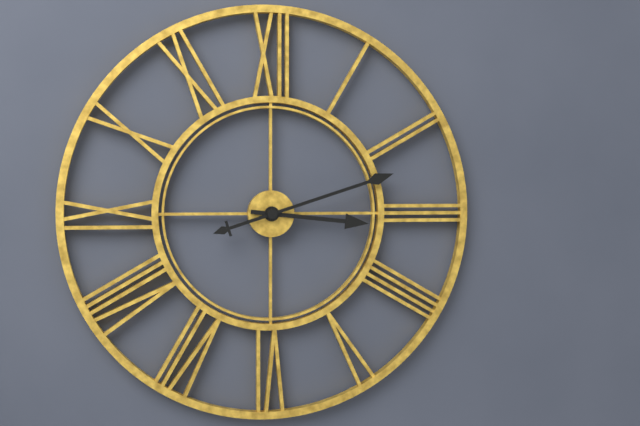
**3:12**
